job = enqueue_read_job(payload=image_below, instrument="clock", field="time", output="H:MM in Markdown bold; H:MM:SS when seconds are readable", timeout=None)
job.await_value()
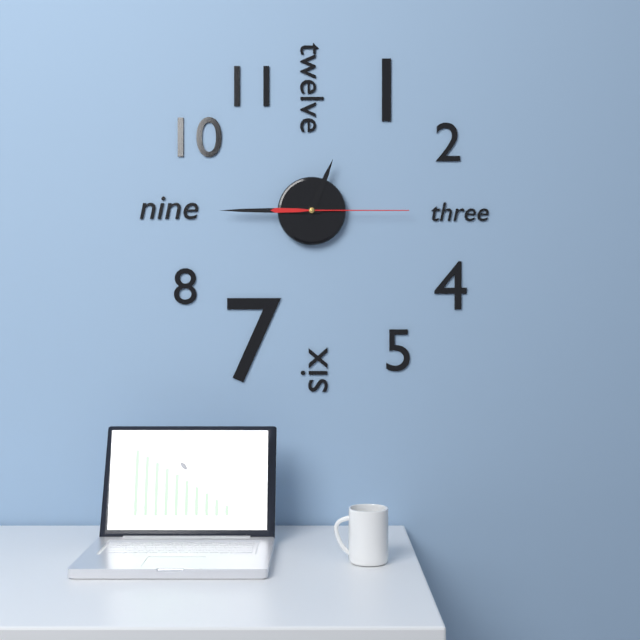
**12:45:15**
